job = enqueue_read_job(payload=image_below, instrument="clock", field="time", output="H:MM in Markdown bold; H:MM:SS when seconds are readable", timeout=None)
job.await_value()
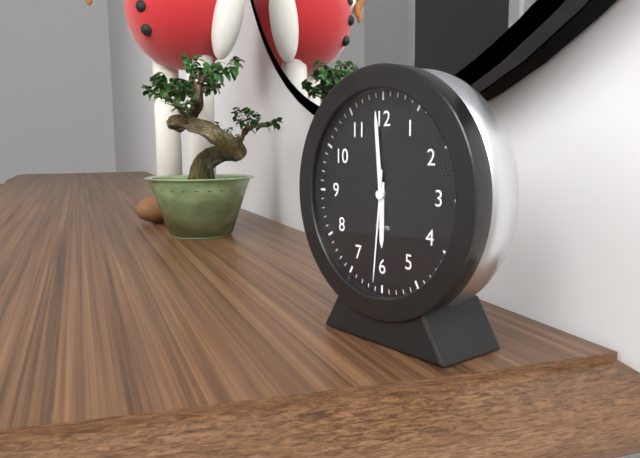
**5:59:31**
